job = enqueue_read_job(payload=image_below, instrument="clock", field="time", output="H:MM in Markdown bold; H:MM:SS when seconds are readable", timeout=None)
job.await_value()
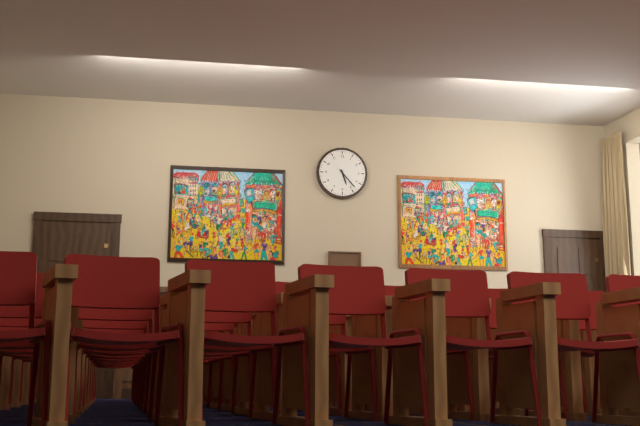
**5:23**
